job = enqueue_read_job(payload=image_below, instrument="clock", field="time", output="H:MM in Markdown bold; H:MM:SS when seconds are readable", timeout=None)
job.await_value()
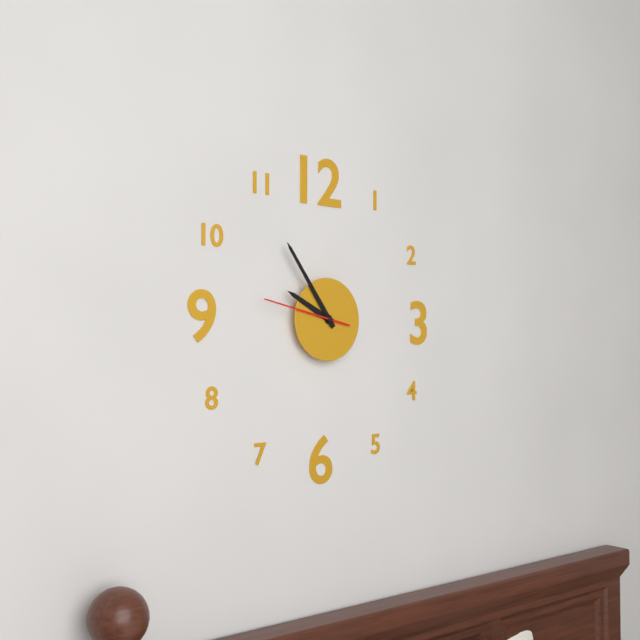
**9:54:47**
